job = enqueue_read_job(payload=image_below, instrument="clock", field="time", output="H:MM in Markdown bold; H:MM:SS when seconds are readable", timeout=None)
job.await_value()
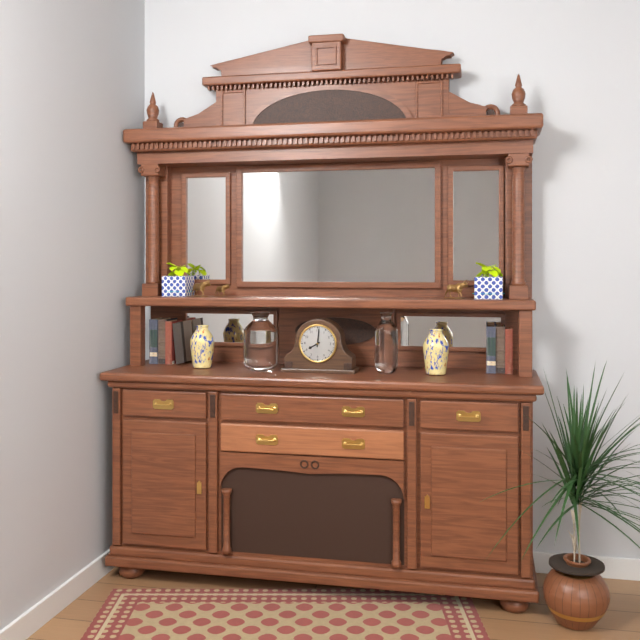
**8:01**
